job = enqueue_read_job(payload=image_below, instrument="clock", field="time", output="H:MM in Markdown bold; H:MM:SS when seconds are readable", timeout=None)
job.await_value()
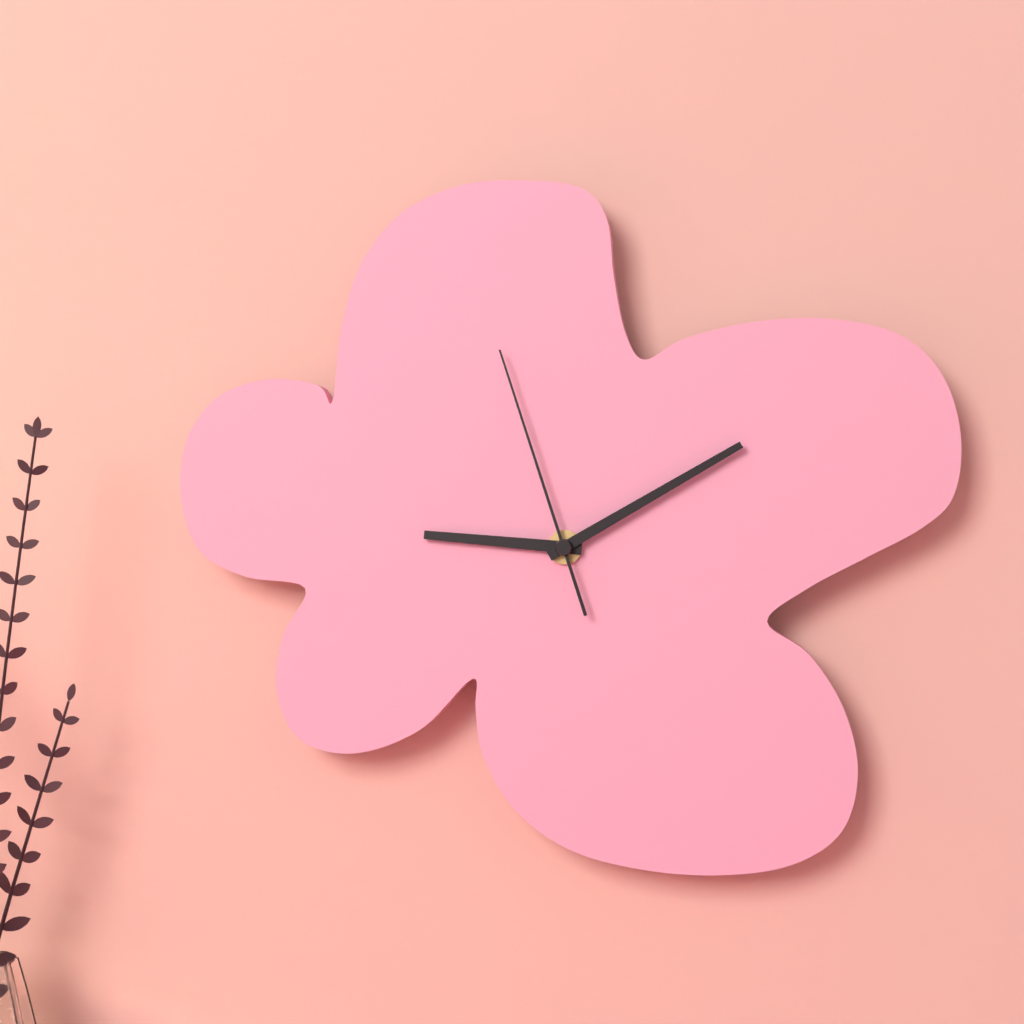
**9:10:57**
